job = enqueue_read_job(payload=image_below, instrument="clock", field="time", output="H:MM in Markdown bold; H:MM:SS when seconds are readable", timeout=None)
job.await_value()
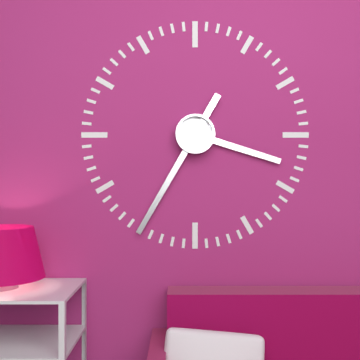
**3:35**
